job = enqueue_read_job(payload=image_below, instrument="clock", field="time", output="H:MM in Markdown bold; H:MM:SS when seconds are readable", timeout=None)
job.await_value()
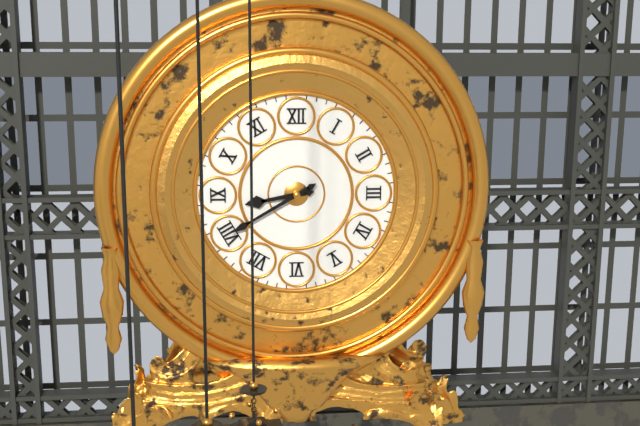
**8:40**
